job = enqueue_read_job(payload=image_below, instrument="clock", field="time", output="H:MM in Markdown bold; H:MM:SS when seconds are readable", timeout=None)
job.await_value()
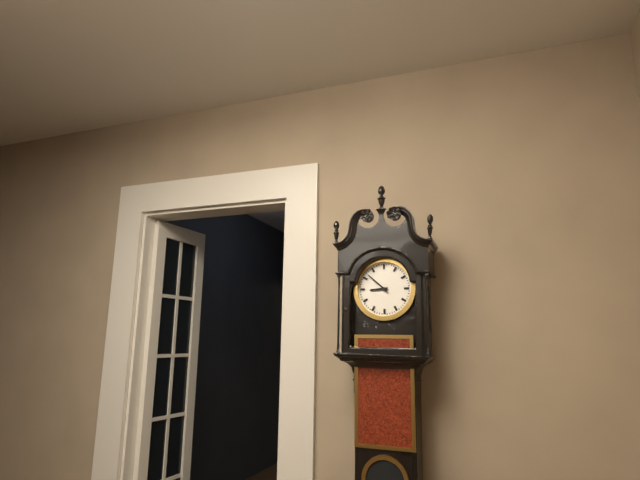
**8:52**
